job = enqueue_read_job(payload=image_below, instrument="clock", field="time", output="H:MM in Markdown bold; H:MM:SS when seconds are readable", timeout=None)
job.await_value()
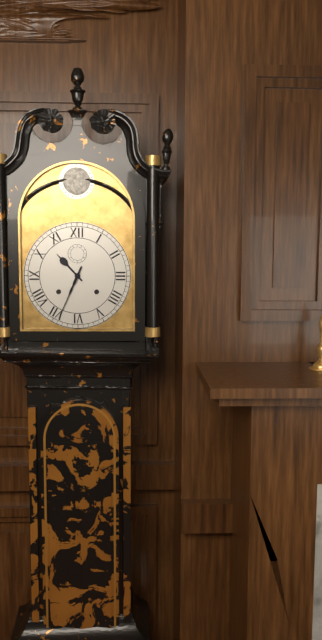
**10:34**
